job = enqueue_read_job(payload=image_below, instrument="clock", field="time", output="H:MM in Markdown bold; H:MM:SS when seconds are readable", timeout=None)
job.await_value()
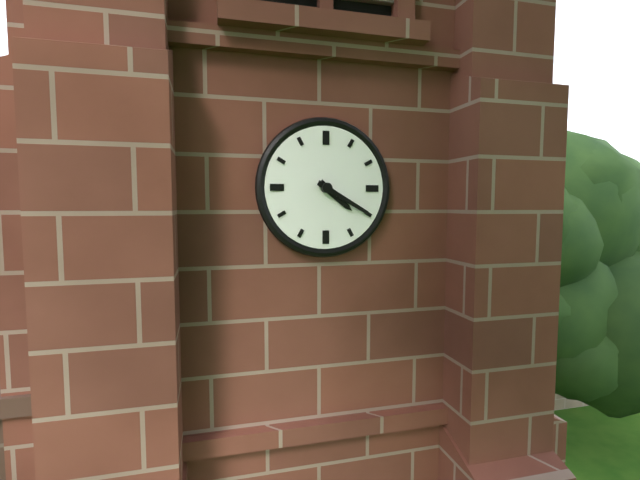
**4:20**
